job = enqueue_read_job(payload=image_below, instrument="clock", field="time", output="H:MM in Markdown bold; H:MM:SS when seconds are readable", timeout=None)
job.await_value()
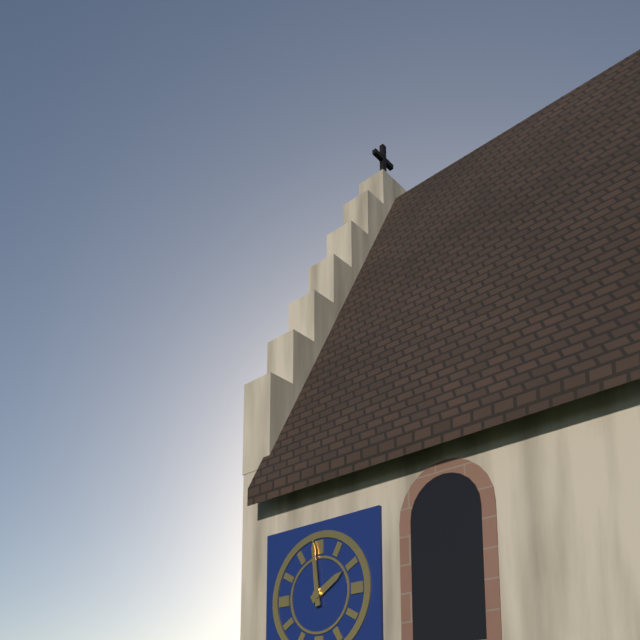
**1:59**
